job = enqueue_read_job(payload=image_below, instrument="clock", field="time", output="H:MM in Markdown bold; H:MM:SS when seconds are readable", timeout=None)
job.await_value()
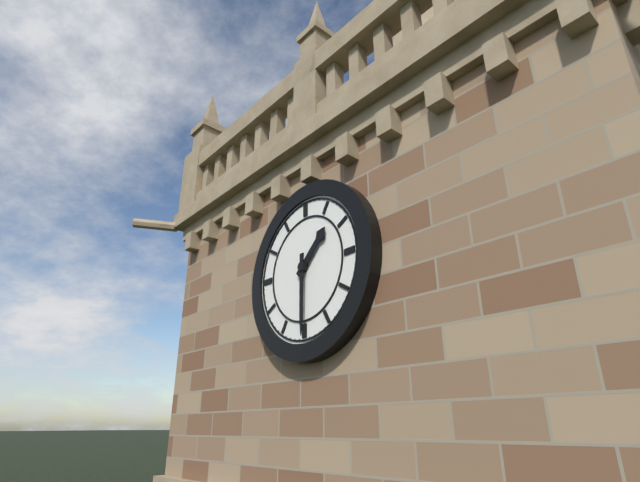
**1:30**
